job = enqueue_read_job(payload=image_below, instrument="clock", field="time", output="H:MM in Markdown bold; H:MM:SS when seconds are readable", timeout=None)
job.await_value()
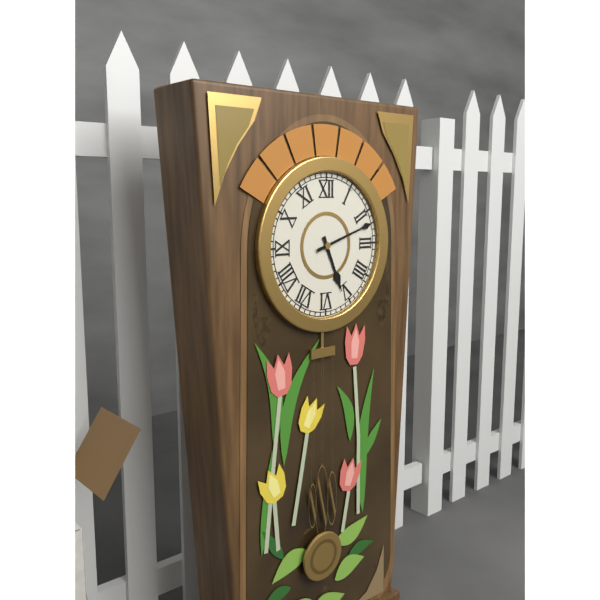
**5:12**
